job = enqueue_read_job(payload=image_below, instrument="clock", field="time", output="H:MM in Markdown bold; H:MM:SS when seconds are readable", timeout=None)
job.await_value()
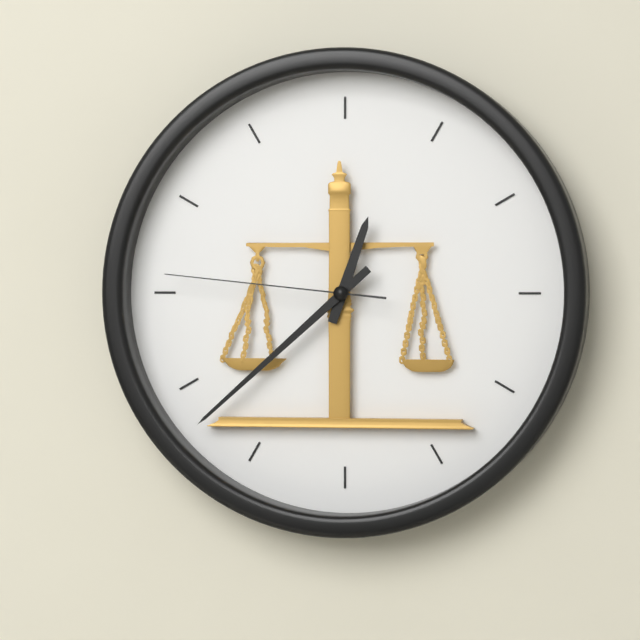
**12:38:46**
